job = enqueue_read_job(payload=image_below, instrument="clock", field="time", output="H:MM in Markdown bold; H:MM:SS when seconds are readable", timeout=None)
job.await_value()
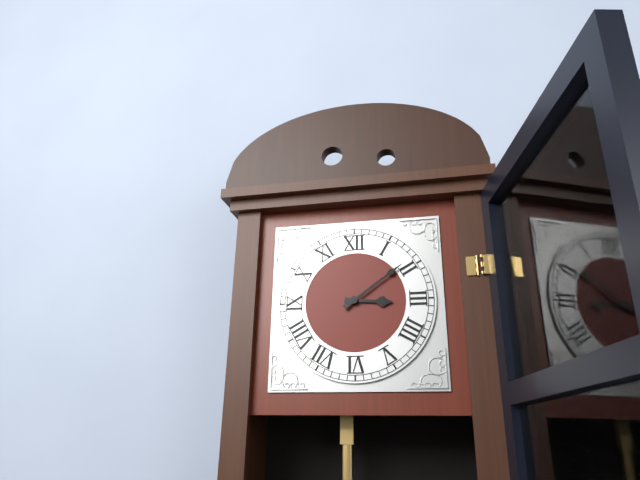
**3:09**
